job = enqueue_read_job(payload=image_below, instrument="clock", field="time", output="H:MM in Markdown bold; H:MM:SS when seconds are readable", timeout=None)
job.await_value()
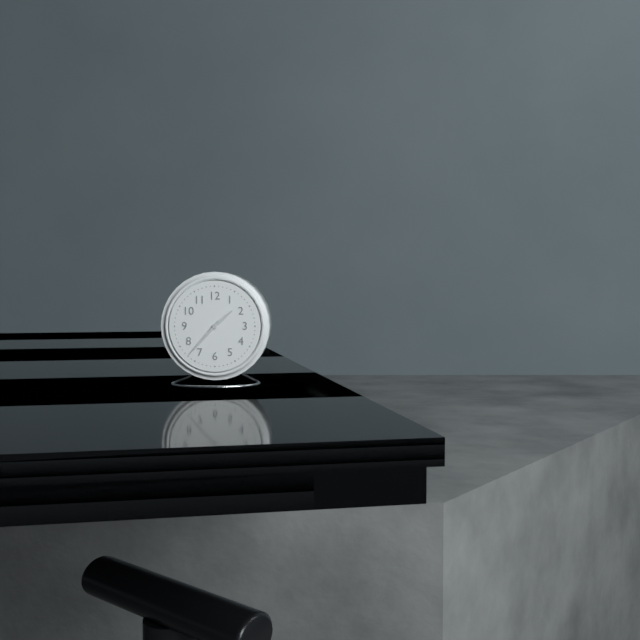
**1:37**
